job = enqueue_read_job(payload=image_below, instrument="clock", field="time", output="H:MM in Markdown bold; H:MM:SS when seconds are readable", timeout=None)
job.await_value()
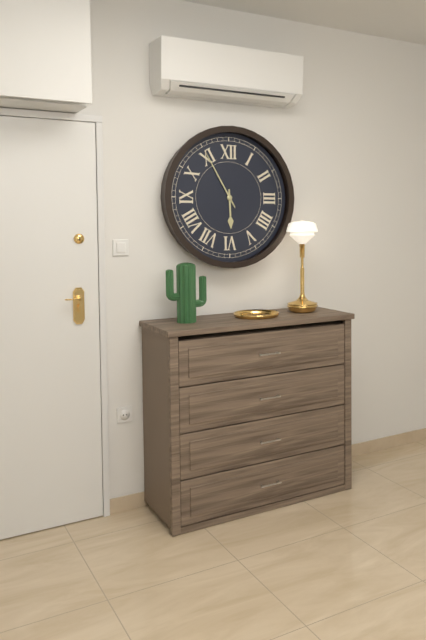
**5:55**
